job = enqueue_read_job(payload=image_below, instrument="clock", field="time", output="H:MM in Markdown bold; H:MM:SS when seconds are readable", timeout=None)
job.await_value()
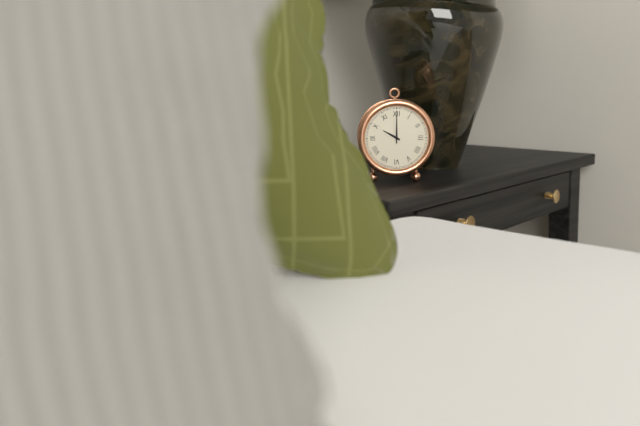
**10:00**
